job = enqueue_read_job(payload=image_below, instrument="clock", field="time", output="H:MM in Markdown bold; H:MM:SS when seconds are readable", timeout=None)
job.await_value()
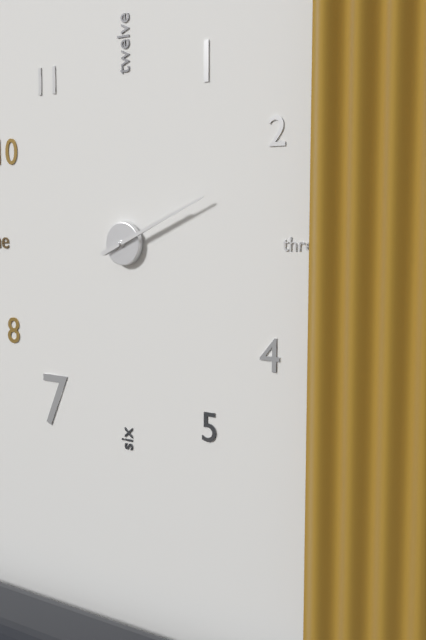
**2:11**
